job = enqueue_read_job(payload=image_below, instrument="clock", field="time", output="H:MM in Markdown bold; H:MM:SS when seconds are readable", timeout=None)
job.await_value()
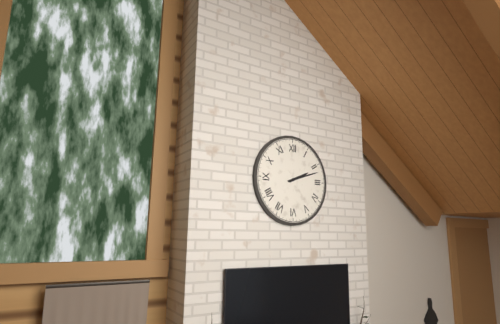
**2:12**
